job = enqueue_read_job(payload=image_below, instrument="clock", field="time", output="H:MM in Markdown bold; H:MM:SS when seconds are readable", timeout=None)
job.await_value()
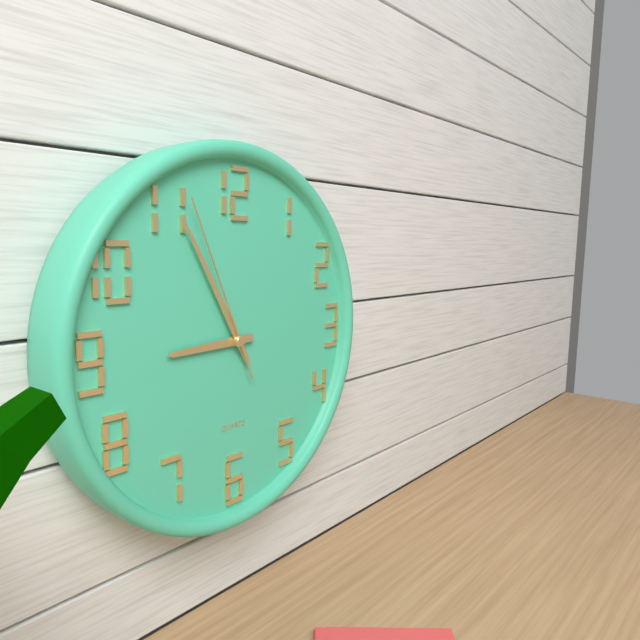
**8:55:56**
